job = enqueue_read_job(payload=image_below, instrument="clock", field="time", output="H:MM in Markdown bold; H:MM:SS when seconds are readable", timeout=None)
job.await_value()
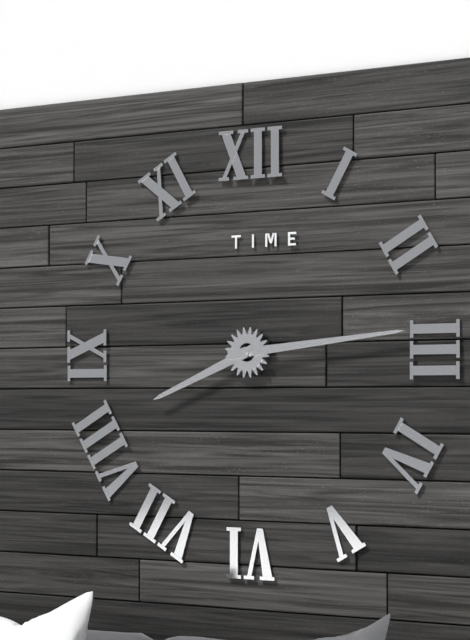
**8:14**
